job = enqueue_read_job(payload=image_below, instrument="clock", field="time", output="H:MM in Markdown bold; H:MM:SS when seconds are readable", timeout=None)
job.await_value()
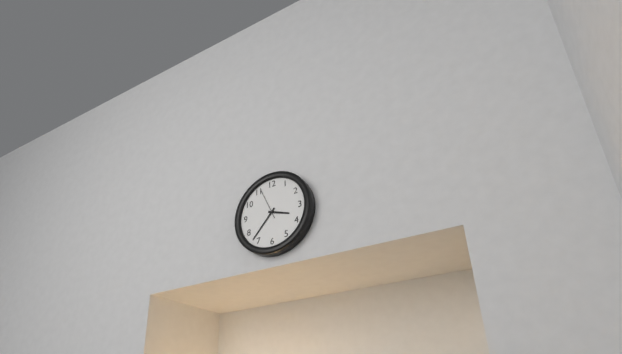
**3:37**
